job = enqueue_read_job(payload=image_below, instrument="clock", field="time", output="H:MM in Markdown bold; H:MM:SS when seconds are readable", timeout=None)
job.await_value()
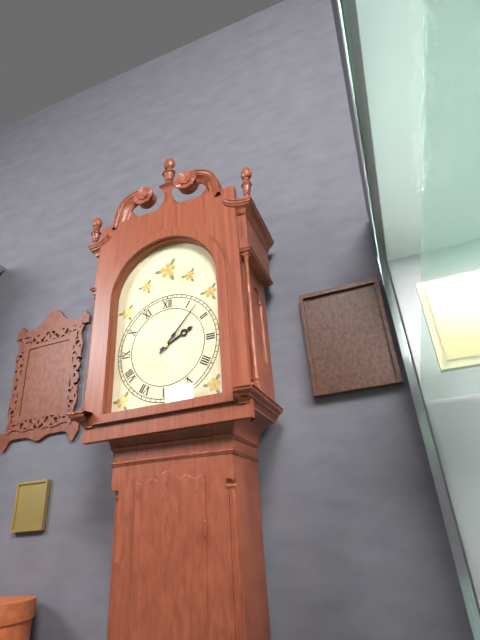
**2:07**
